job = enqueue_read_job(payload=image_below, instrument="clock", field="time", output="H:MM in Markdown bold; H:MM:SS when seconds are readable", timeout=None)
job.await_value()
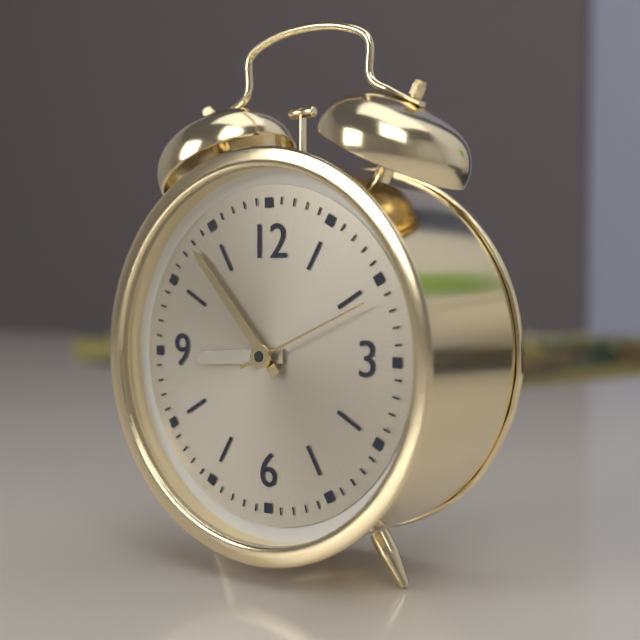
**8:53:11**
